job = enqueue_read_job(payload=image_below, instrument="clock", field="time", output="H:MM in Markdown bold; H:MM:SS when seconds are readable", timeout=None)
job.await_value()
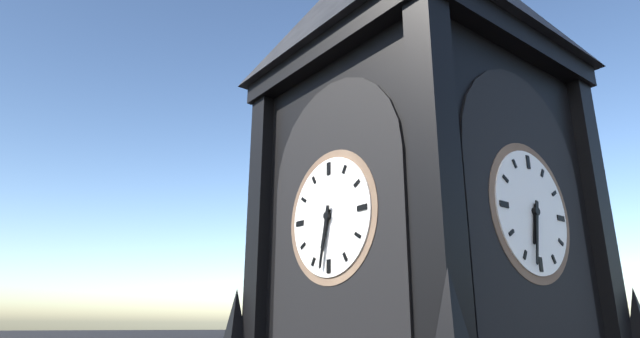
**6:32**
